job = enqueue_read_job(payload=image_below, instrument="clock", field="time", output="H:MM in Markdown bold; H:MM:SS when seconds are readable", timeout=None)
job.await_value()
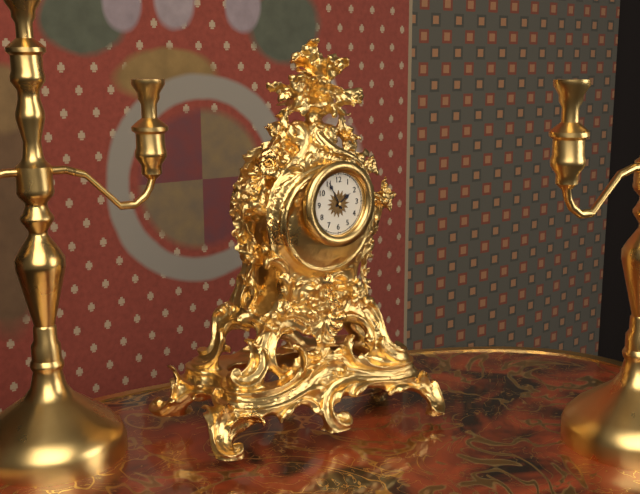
**1:55**
